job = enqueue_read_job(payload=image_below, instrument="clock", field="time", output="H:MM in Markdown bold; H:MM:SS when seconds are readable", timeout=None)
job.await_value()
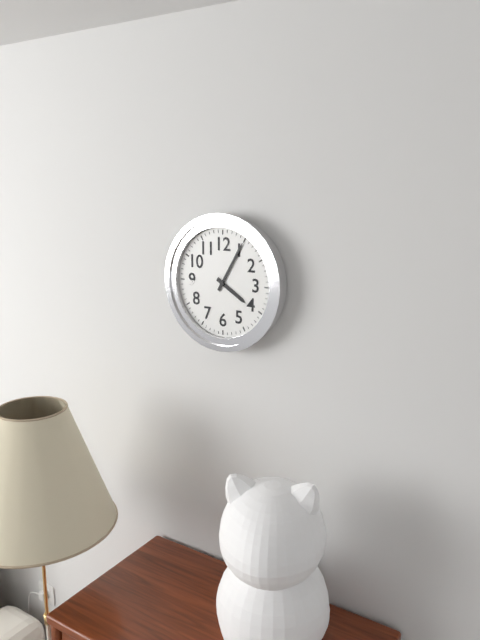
**4:05**
